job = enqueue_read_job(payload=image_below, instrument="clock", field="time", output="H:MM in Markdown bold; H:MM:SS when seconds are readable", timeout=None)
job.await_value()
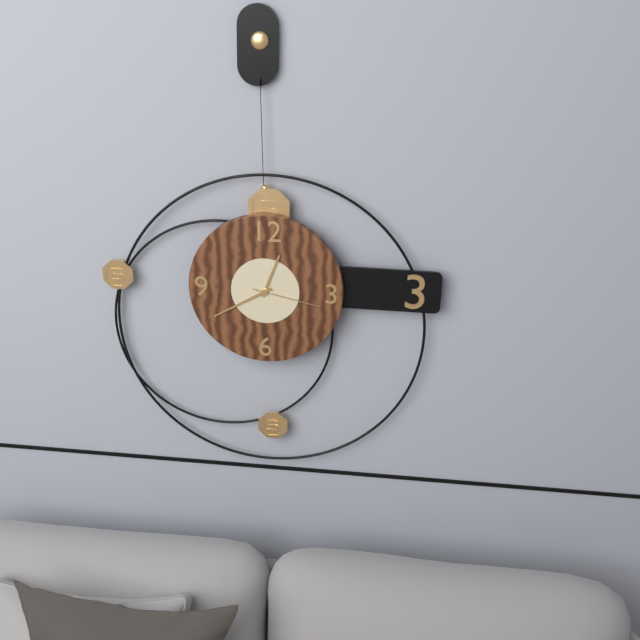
**12:40:17**
